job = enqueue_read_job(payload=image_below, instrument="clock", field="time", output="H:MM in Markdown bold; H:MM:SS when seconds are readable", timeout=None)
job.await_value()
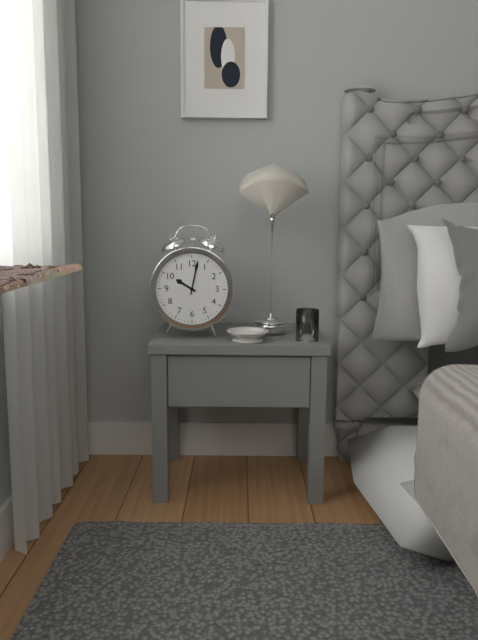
**10:02**
